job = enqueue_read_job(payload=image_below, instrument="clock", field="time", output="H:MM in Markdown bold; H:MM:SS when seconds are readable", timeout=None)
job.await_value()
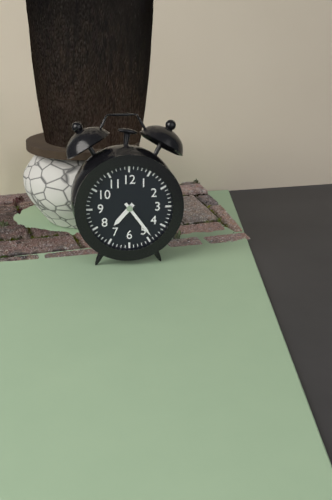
**7:24**
